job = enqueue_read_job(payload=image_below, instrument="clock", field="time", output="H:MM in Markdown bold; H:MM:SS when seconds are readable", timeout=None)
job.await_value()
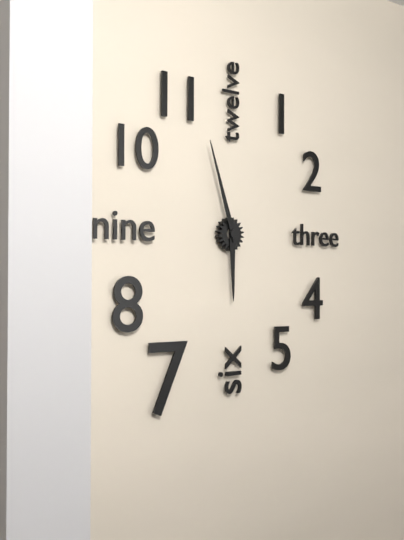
**5:57**
